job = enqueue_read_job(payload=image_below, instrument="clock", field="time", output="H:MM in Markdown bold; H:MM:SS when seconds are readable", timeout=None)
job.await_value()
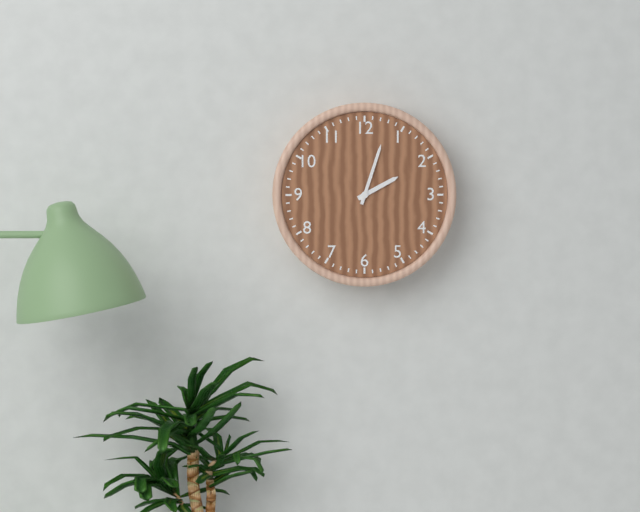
**2:03**
